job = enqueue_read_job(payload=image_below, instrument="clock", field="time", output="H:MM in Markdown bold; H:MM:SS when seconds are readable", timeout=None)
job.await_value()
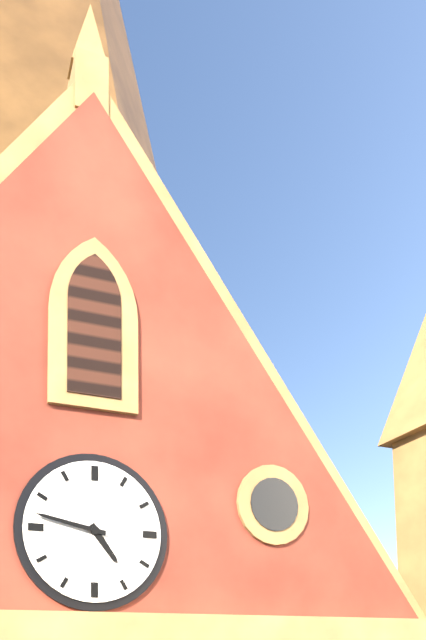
**4:47**
